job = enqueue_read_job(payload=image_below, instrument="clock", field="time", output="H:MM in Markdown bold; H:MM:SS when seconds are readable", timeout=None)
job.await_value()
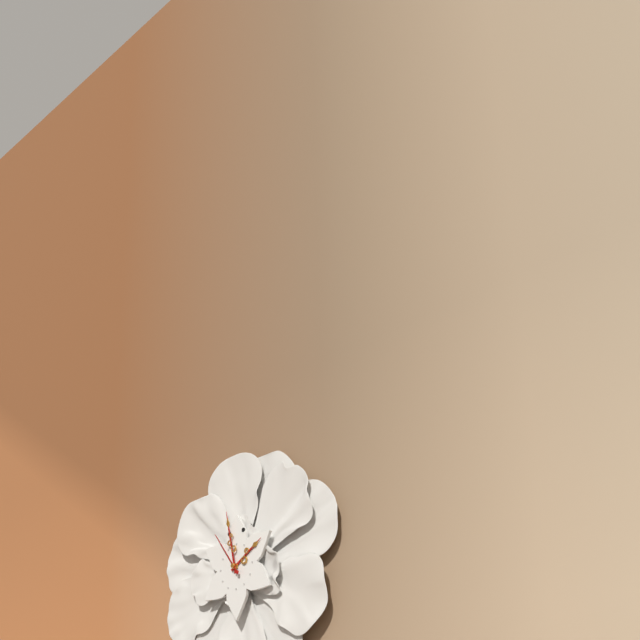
**1:58**
